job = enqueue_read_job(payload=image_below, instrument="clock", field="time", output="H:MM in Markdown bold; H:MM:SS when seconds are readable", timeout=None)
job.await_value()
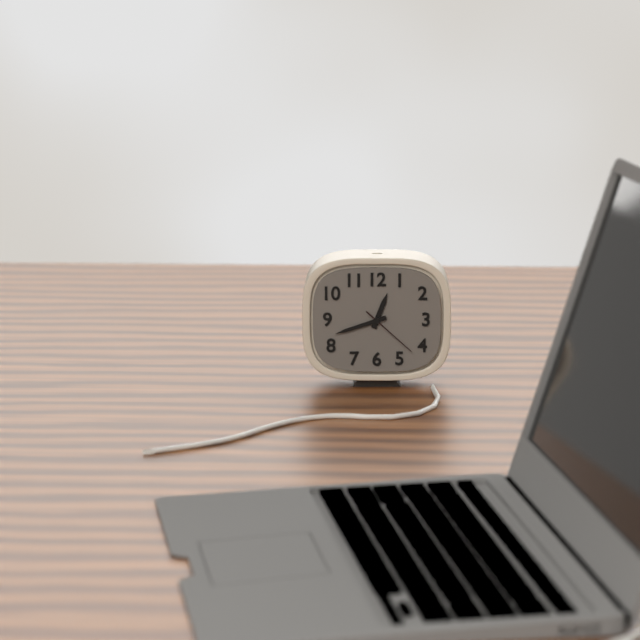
**12:42:22**
